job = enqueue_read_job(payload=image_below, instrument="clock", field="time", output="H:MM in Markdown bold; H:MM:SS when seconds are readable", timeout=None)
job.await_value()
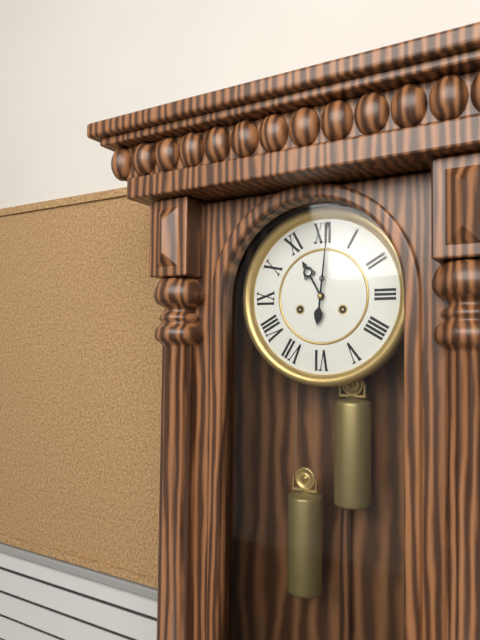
**11:01**
